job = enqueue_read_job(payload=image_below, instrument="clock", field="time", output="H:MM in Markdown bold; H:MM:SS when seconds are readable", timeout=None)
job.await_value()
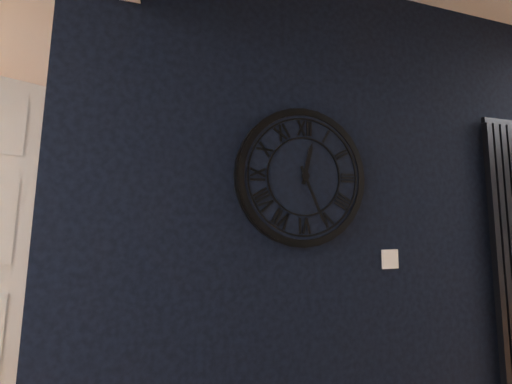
**12:26**
